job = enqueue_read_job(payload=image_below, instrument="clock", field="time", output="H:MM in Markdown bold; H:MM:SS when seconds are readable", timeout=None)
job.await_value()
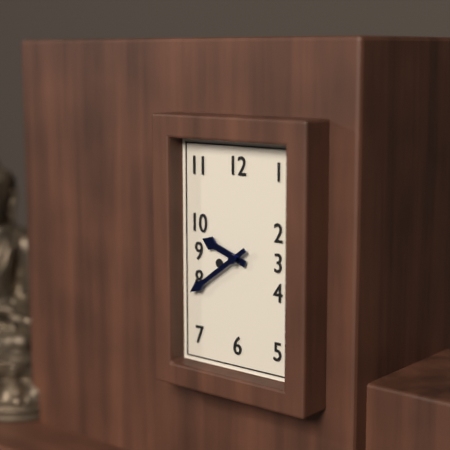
**9:39**
